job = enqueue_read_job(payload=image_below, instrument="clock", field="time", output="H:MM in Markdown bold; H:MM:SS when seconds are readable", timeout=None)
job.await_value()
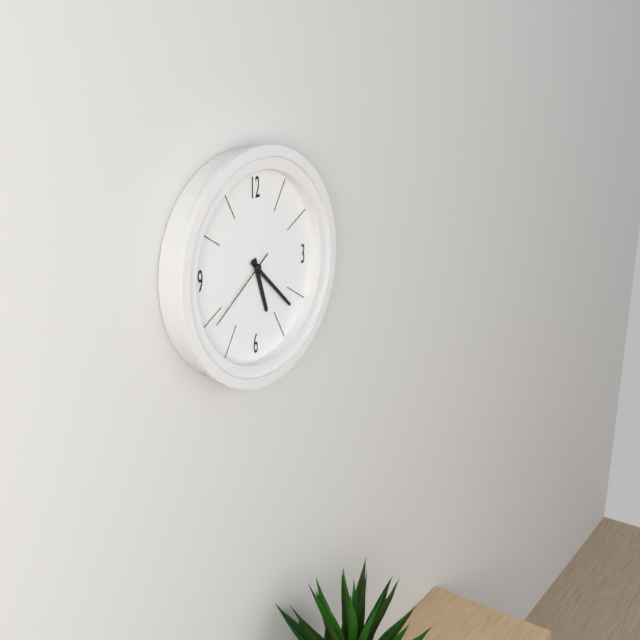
**5:22:39**
